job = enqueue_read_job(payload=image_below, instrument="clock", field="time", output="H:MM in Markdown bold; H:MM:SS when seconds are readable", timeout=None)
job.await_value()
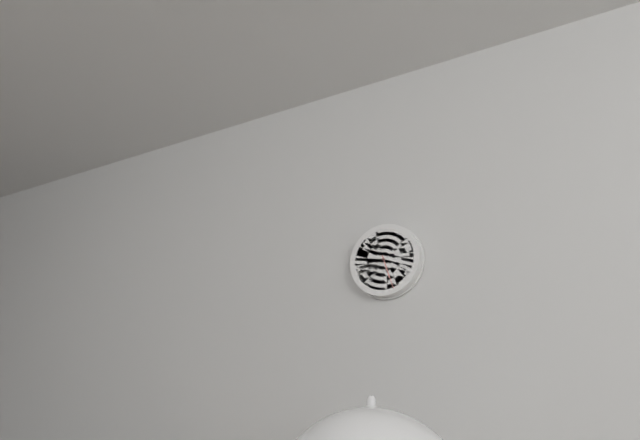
**5:27**
